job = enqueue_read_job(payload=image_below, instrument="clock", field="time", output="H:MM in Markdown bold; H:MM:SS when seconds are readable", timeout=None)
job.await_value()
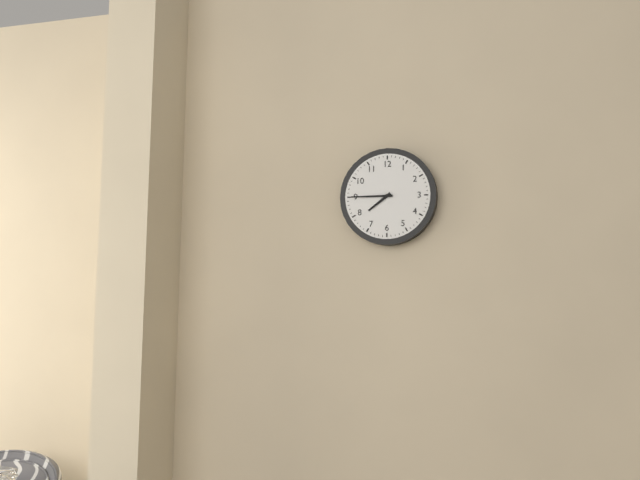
**7:45**
